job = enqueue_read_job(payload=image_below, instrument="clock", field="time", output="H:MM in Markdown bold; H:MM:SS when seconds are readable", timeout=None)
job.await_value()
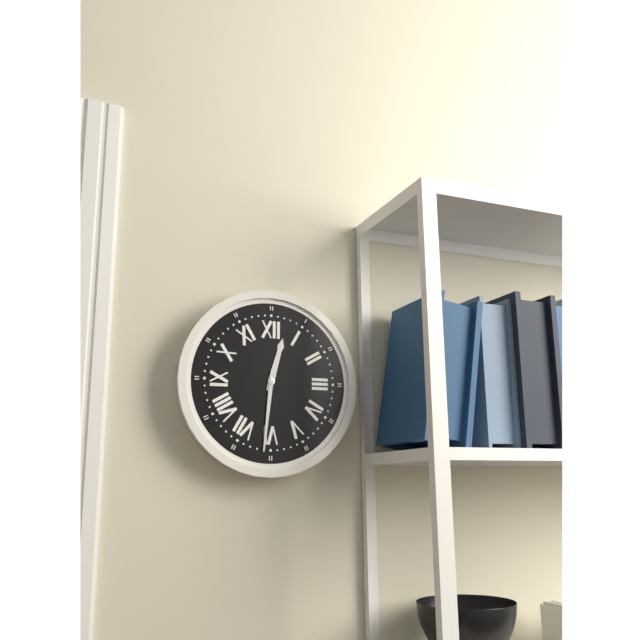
**12:31**
